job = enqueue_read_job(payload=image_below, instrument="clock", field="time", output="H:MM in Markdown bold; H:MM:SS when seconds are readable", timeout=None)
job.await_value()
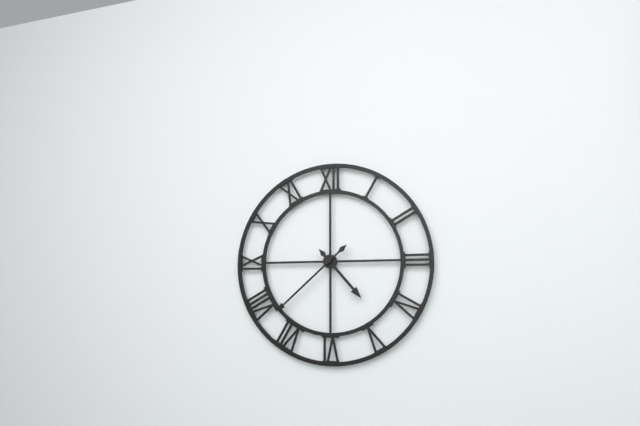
**4:38**
